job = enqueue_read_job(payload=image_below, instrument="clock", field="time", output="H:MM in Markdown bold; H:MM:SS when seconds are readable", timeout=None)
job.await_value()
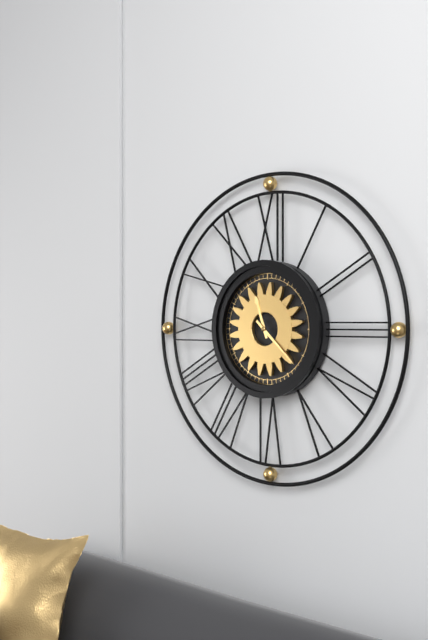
**11:22**
